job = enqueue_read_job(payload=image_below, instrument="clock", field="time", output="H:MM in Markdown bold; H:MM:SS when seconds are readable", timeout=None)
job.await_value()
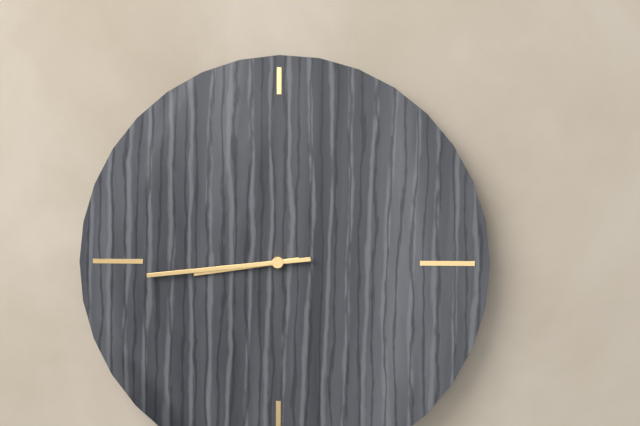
**8:44**
